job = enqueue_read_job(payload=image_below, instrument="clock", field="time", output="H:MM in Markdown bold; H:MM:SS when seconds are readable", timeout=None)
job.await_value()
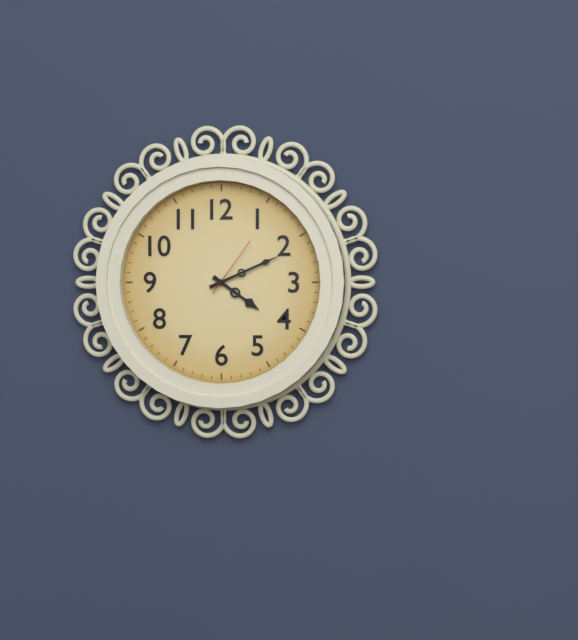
**4:11:06**
